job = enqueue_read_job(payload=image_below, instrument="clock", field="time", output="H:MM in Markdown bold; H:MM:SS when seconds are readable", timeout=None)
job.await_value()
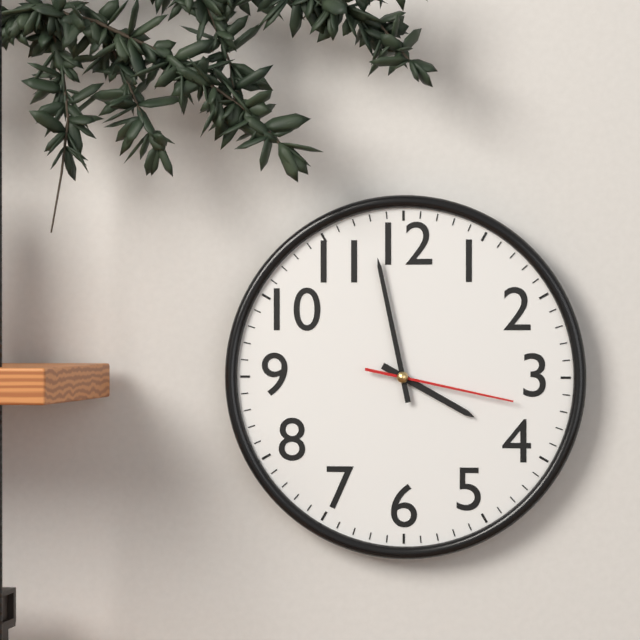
**3:58:17**
